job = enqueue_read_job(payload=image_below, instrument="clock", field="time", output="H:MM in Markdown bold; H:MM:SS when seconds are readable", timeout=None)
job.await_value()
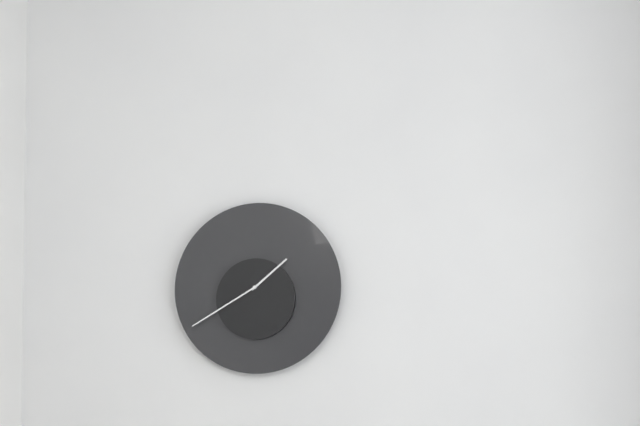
**1:40**
